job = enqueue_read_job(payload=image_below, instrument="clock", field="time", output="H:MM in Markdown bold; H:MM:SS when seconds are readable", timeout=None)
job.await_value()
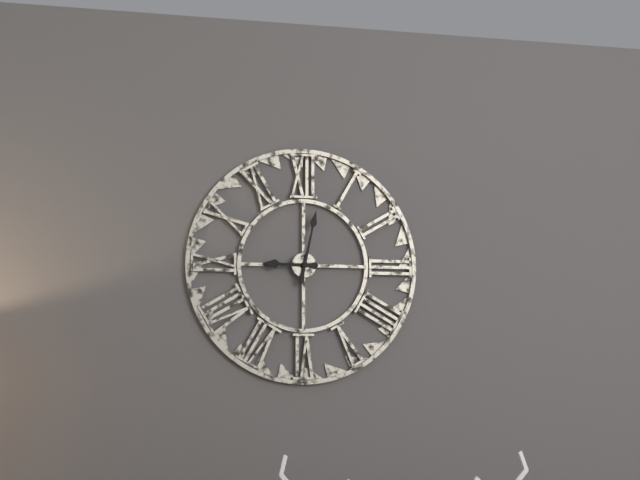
**9:02**
